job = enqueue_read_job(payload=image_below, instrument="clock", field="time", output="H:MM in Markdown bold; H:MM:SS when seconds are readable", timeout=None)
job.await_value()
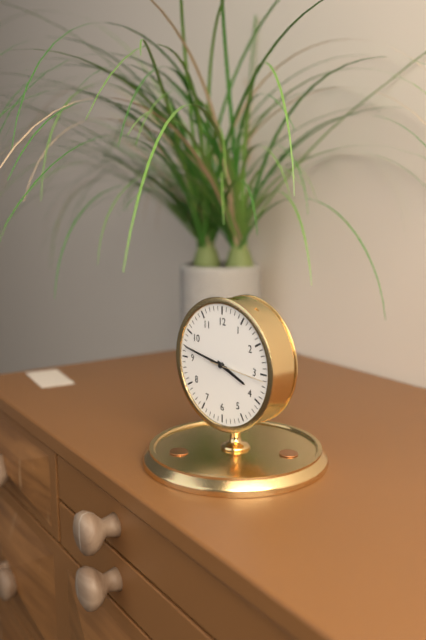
**3:47:16**
